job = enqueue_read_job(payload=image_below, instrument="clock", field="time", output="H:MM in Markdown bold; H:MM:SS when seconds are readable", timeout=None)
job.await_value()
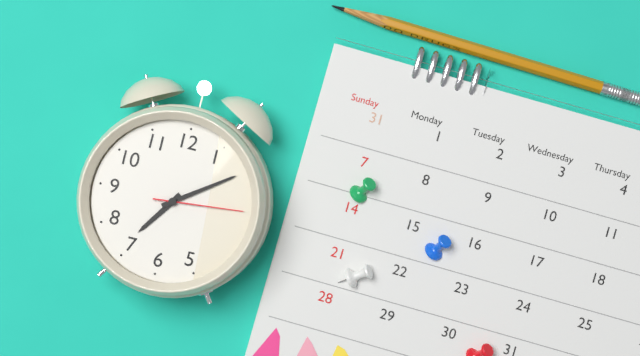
**7:09:14**
